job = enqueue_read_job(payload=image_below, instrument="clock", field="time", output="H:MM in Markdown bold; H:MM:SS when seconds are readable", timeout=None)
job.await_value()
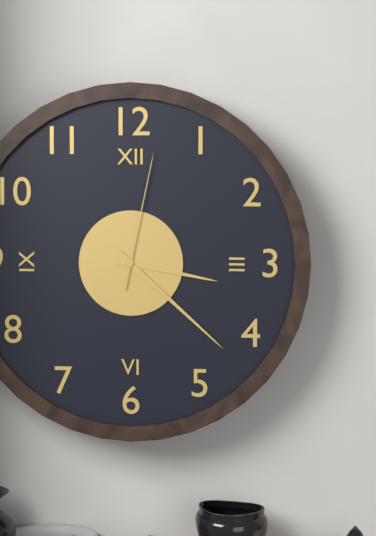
**3:22:02**
